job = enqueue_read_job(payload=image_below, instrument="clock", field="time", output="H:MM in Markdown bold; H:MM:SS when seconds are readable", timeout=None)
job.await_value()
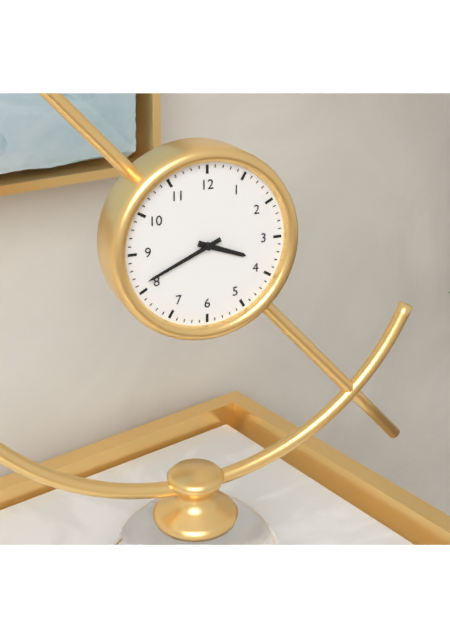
**3:41**
